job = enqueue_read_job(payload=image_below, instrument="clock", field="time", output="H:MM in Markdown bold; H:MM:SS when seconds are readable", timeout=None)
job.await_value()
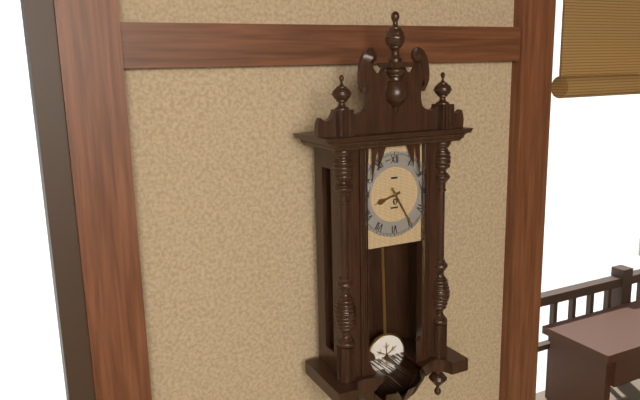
**8:25**
